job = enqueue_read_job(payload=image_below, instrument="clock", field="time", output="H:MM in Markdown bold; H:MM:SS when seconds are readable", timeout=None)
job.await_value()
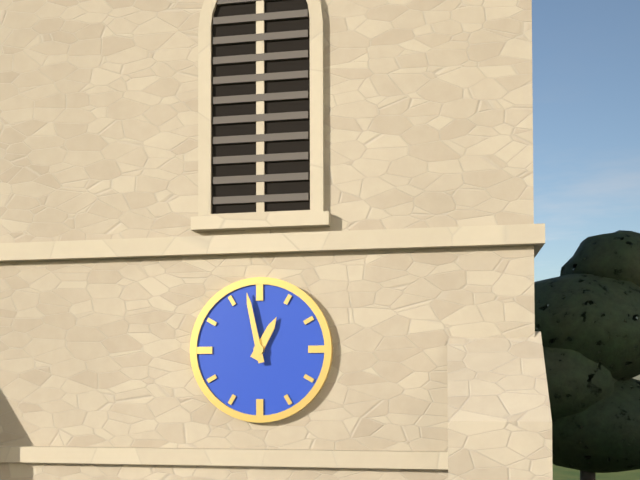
**12:58**
